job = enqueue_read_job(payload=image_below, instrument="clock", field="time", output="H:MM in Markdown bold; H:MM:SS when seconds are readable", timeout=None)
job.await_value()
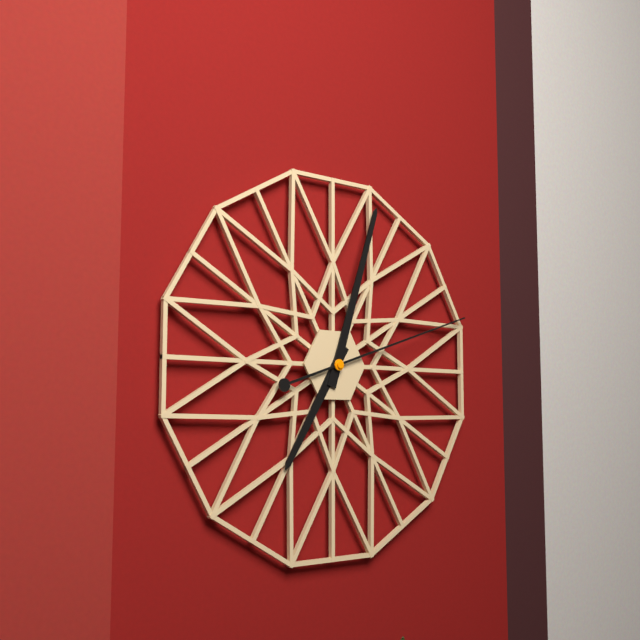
**7:03:12**
